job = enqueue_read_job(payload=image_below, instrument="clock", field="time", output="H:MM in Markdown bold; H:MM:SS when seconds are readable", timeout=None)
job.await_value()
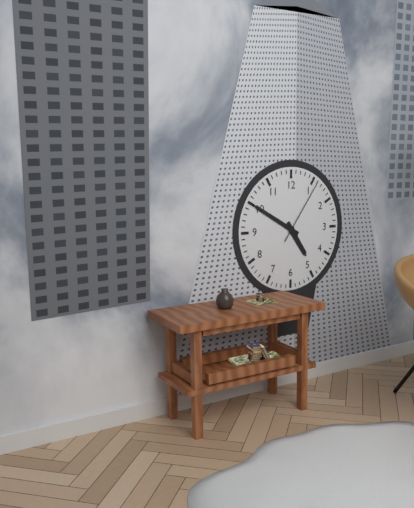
**4:50:06**
